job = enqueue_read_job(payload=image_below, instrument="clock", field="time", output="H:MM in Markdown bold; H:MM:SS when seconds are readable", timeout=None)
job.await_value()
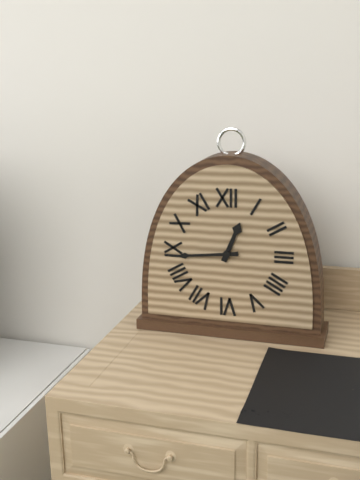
**12:44**
